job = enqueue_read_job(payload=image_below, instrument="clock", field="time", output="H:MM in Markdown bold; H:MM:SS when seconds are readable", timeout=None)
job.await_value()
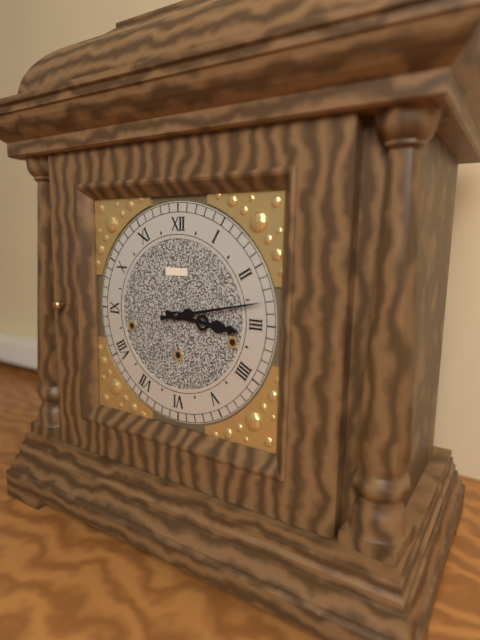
**3:13**
